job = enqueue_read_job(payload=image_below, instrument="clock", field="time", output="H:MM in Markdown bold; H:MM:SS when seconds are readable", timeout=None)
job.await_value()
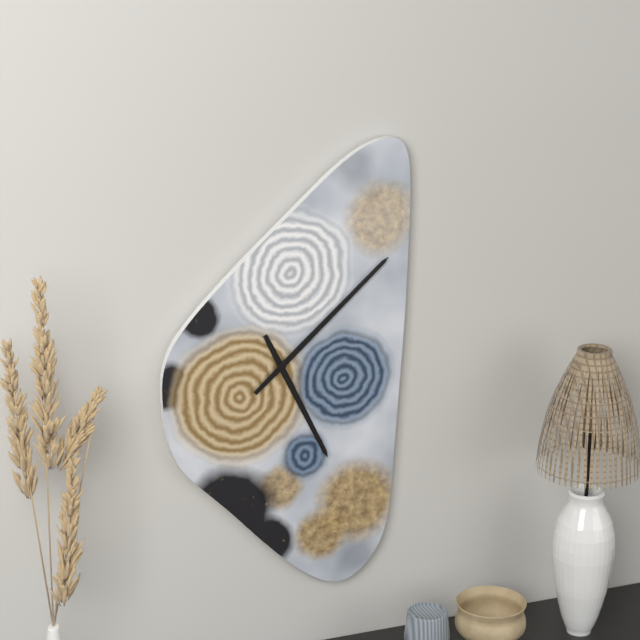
**5:08**
